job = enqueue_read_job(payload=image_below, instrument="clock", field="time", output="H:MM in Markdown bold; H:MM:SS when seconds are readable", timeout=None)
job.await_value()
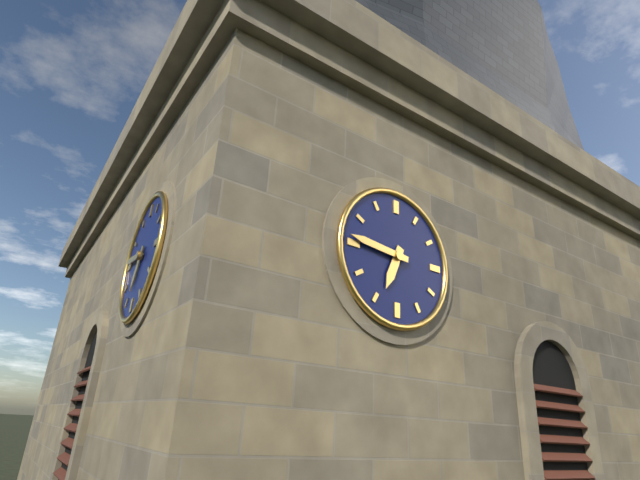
**6:46**
